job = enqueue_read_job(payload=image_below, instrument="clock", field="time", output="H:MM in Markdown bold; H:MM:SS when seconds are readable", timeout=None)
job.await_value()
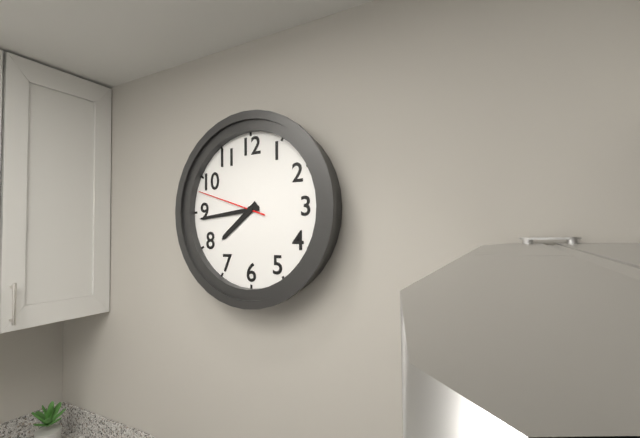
**7:44:48**
